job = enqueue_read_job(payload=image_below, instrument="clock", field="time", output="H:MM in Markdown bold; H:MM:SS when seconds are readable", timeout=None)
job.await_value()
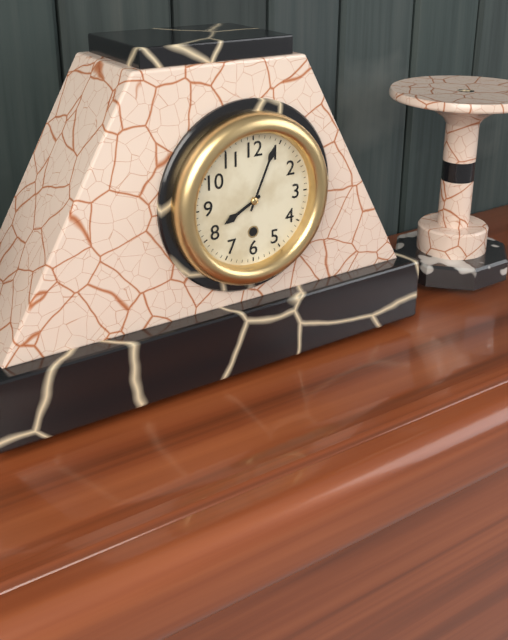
**8:04**
